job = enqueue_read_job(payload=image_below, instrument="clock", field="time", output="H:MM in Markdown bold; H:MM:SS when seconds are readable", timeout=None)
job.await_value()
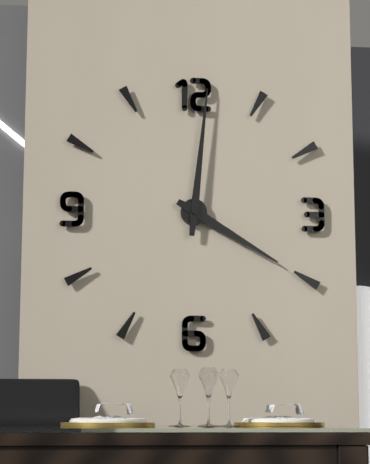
**4:01**
